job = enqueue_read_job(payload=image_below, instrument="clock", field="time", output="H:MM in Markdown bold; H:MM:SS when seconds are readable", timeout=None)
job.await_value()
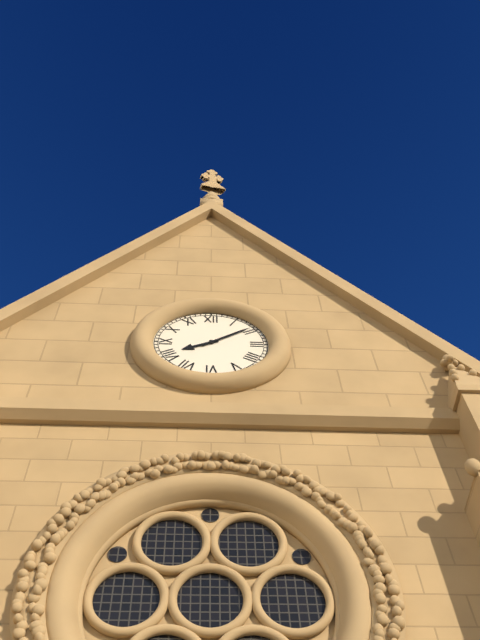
**8:09**
